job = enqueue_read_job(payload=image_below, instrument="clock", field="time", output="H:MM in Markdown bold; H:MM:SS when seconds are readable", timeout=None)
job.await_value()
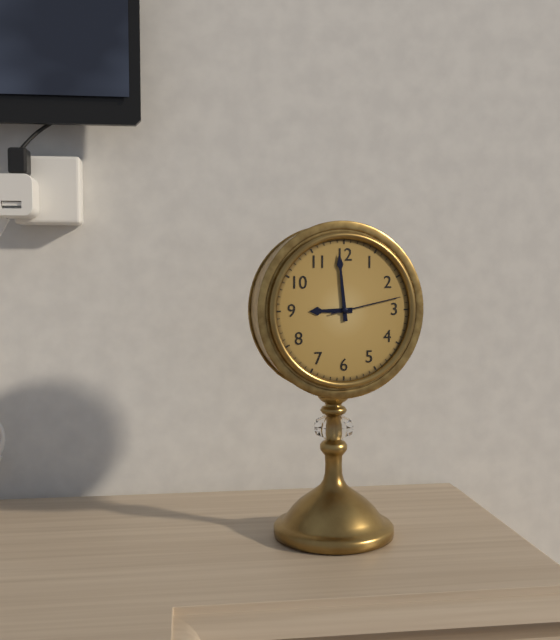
**8:59:13**
